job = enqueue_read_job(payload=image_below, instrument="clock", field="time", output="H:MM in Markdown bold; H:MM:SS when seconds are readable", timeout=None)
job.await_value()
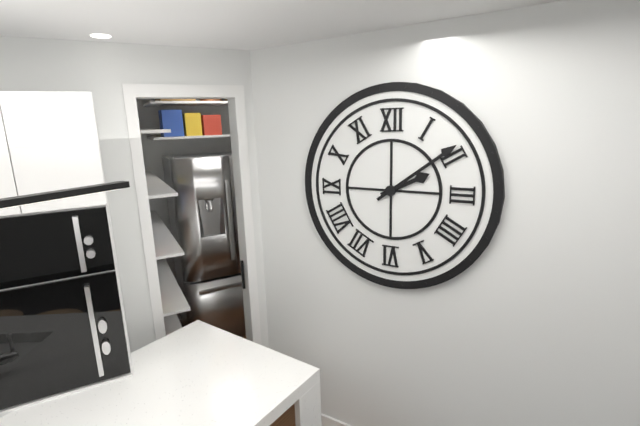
**2:09**
